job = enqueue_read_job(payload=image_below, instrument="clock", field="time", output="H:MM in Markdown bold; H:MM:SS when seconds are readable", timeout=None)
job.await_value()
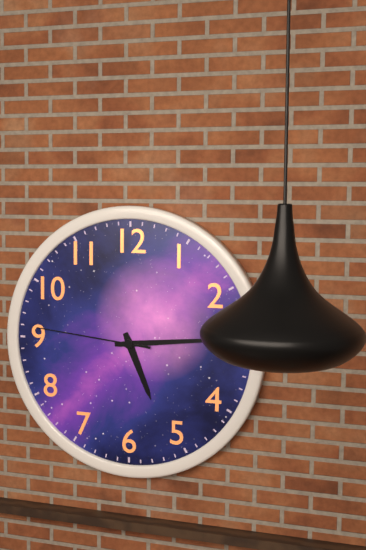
**5:14:46**
